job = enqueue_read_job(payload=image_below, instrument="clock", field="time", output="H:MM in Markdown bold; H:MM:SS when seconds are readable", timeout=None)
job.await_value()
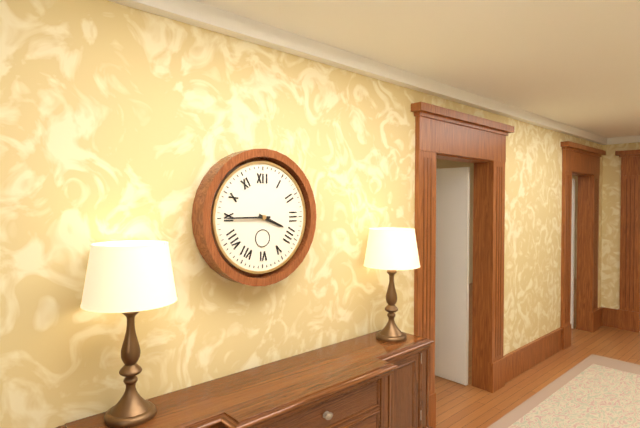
**3:45**
